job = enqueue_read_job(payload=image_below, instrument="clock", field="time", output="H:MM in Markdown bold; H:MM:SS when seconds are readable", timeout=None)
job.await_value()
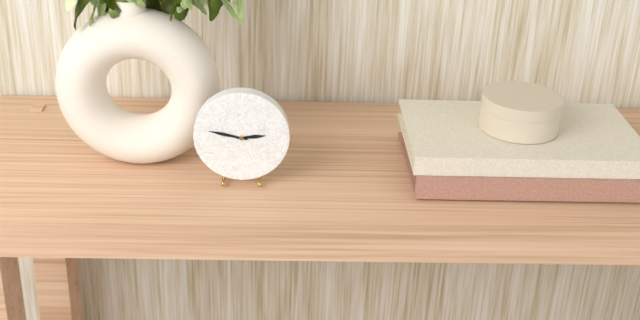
**2:47**
